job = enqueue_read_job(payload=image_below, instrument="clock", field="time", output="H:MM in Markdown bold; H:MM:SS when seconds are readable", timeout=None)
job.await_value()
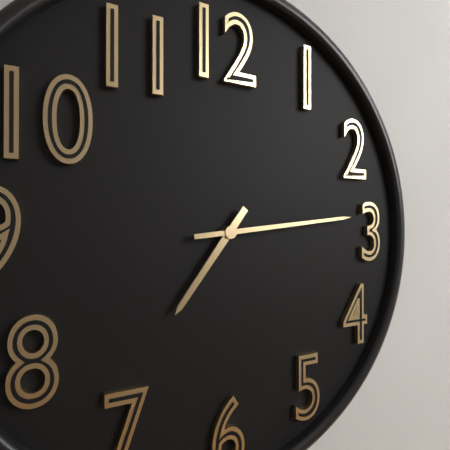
**7:14**
